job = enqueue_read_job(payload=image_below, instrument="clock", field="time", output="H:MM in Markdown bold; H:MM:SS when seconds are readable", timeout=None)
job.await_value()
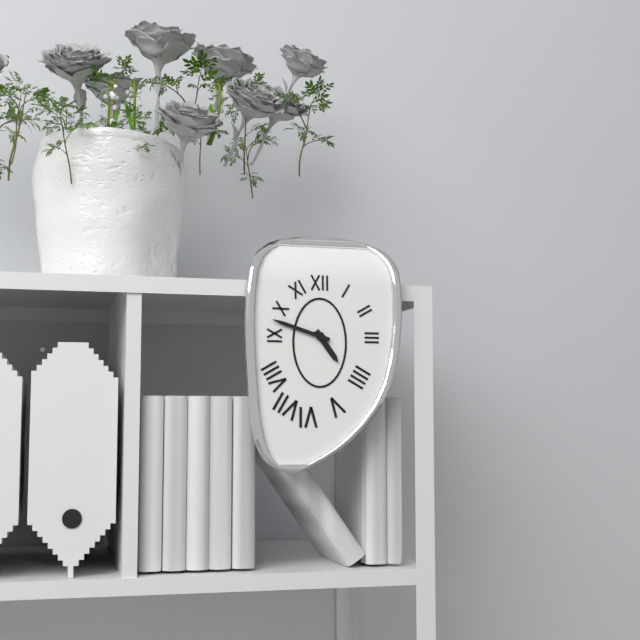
**4:48**
